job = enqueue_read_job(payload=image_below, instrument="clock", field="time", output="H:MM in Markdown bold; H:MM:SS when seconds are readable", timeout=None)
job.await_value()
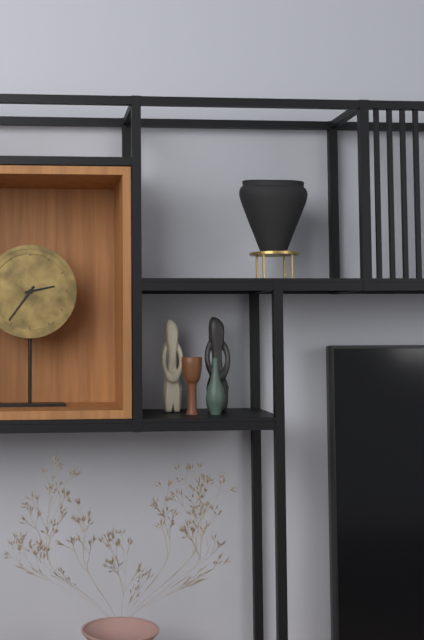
**2:36**
